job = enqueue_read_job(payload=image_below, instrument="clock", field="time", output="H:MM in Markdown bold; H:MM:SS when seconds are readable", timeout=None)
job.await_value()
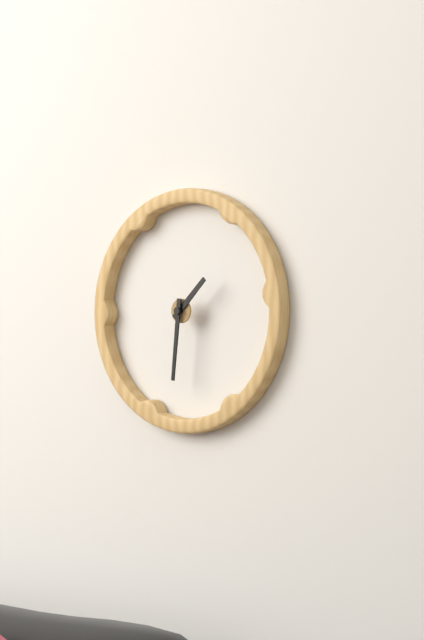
**1:31**
